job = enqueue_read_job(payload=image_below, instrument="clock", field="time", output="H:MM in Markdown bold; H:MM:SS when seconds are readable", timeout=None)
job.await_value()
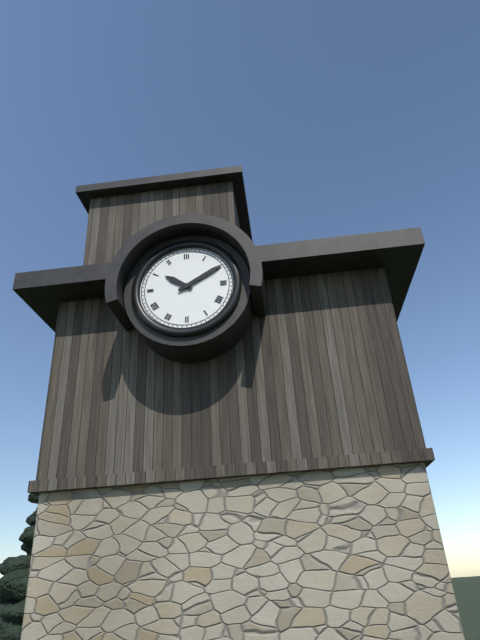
**10:10**
